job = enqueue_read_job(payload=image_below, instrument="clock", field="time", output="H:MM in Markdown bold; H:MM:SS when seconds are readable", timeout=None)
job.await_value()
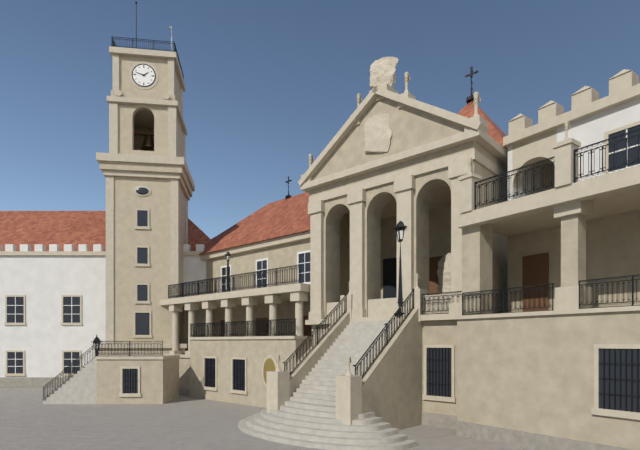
**1:48**
